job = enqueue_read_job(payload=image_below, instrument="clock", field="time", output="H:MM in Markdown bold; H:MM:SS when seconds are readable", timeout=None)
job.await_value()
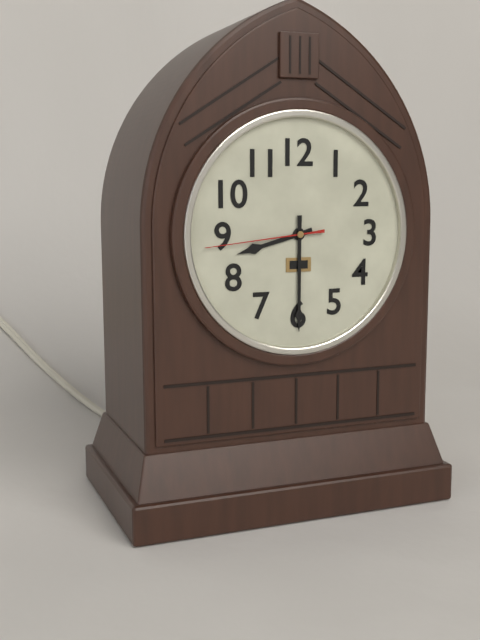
**8:30:44**
